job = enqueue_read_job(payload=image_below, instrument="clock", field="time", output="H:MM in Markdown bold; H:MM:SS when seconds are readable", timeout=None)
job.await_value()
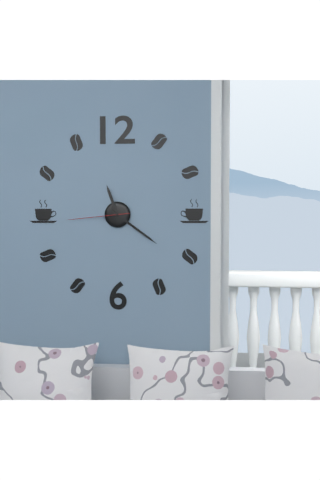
**11:21:44**
